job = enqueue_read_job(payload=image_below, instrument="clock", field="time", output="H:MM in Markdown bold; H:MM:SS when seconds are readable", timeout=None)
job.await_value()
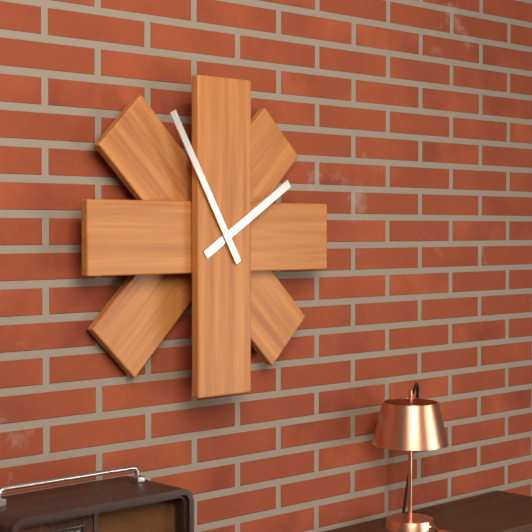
**1:55**
